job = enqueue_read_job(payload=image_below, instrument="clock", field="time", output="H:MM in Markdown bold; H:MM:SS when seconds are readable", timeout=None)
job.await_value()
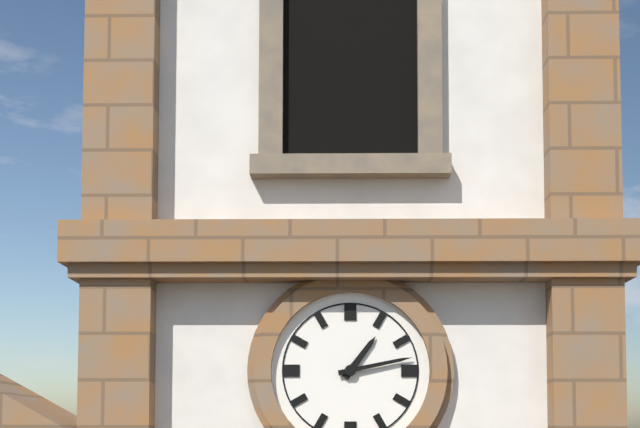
**1:13**
